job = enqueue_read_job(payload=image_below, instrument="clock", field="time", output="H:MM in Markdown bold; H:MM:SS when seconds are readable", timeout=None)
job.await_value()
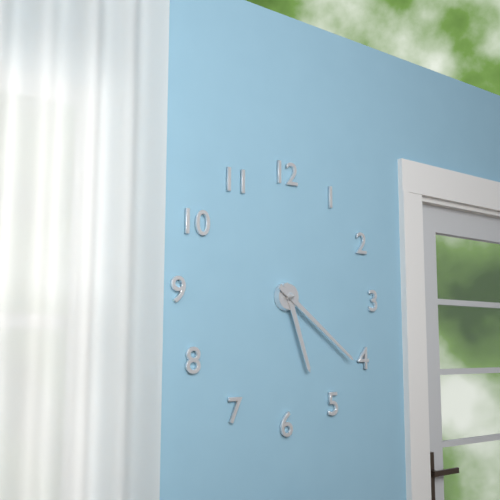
**5:21**
